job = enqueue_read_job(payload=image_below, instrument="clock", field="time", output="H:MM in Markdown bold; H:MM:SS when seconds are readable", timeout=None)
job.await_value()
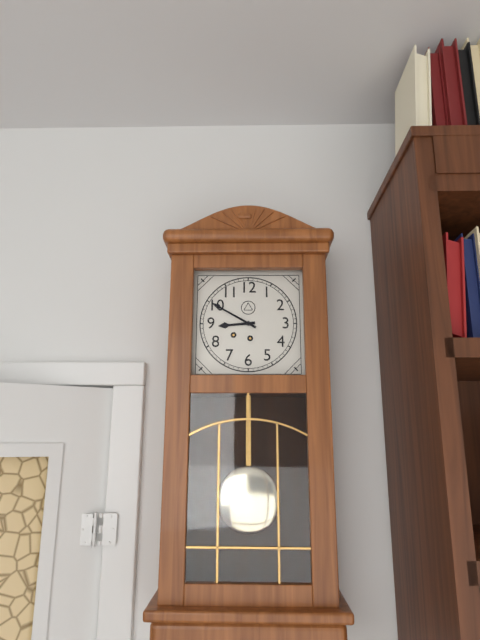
**8:50**
